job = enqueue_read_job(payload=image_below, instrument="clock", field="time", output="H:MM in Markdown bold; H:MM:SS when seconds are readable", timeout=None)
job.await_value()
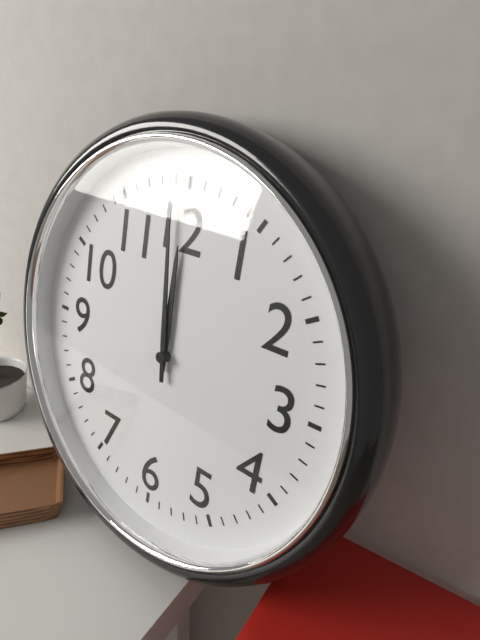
**11:59**
